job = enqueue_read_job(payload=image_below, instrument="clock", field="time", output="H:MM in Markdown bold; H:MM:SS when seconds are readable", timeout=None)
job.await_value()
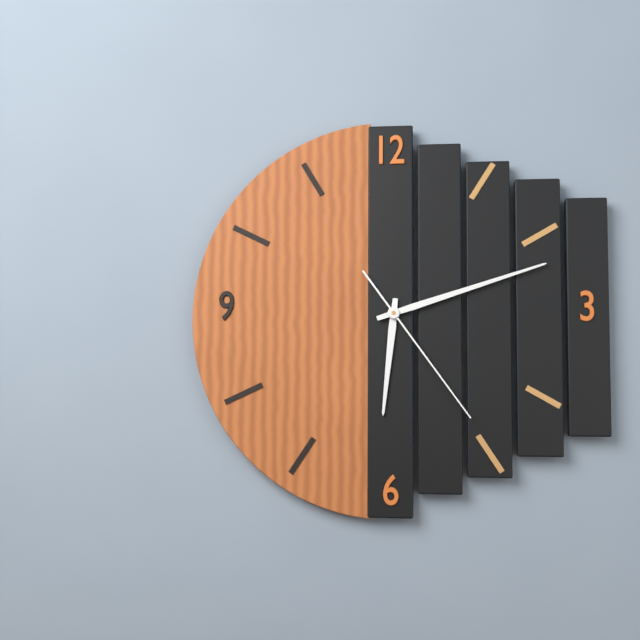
**6:12:24**
